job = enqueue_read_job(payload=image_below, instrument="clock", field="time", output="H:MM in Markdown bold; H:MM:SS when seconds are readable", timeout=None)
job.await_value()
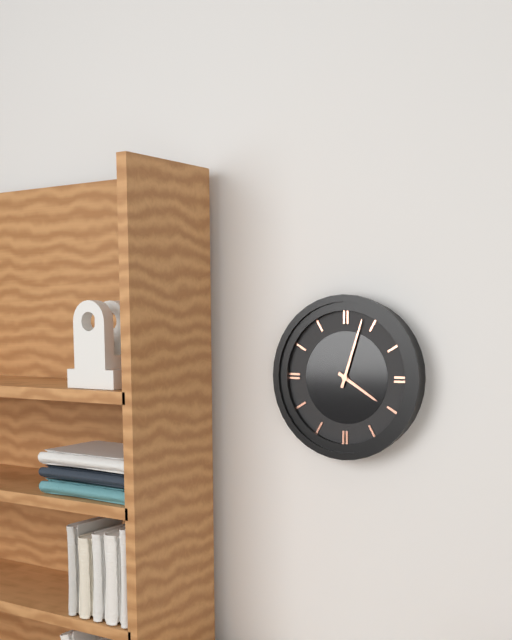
**4:03**
